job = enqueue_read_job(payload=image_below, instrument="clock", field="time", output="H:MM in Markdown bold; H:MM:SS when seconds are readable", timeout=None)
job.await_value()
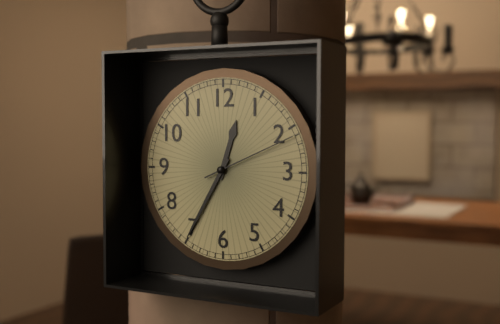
**12:35:11**
